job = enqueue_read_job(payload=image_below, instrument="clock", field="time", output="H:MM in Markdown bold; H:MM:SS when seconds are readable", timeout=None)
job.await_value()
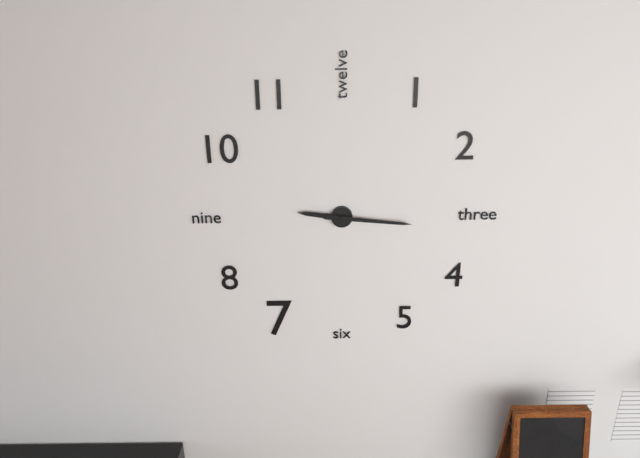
**9:16**
